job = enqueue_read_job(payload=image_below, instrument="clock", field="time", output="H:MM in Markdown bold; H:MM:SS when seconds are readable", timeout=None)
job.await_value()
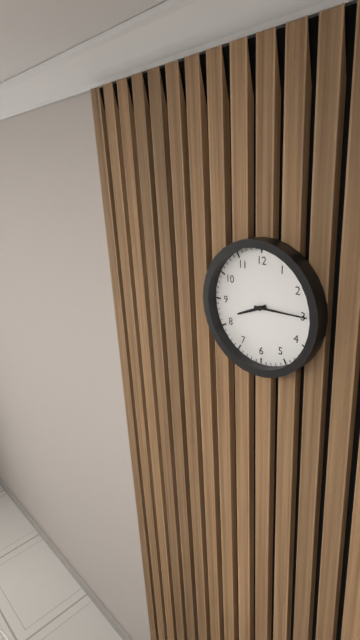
**8:15**
